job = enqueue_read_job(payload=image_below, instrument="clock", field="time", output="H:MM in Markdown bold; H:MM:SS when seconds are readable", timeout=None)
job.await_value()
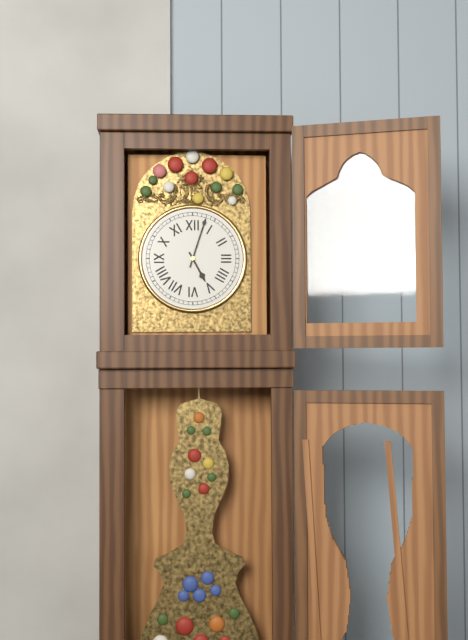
**5:03**
